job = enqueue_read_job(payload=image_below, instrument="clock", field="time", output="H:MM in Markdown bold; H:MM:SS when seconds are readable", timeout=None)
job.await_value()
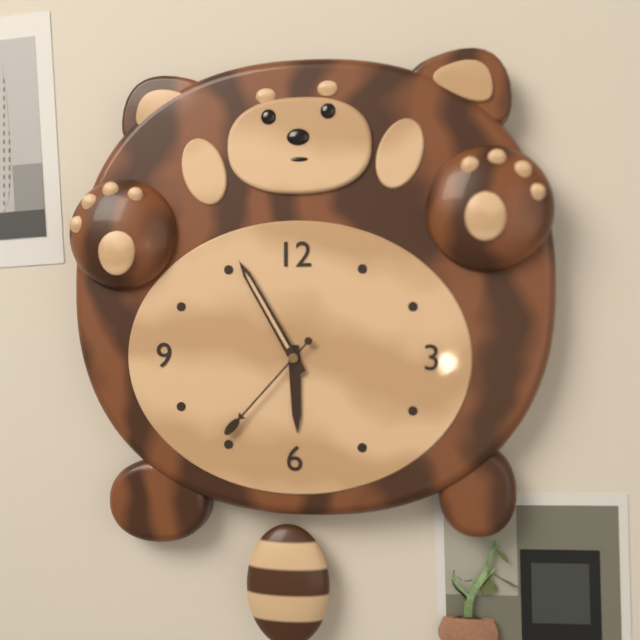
**5:55:37**
